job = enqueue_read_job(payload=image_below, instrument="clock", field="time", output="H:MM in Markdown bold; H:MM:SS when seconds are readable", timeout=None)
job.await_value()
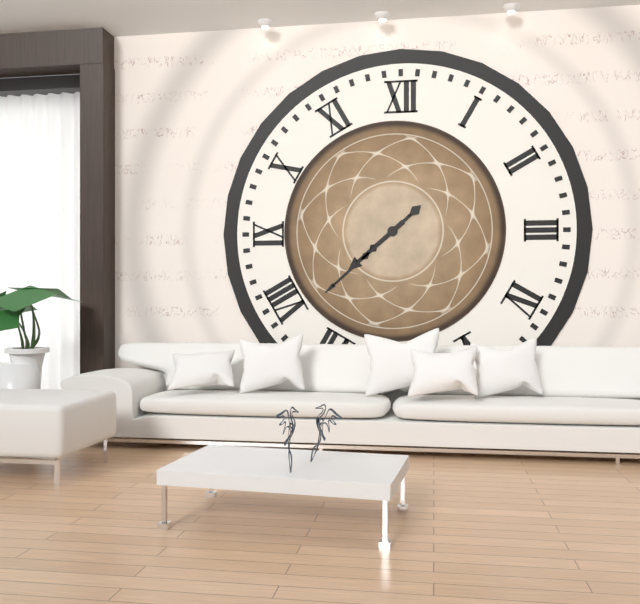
**7:38**
